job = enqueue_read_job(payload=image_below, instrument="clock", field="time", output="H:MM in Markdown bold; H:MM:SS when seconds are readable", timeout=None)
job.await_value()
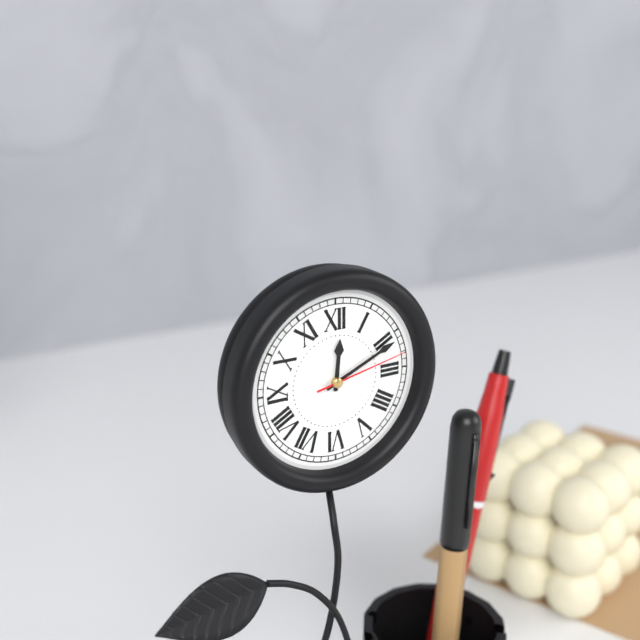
**12:11:13**
